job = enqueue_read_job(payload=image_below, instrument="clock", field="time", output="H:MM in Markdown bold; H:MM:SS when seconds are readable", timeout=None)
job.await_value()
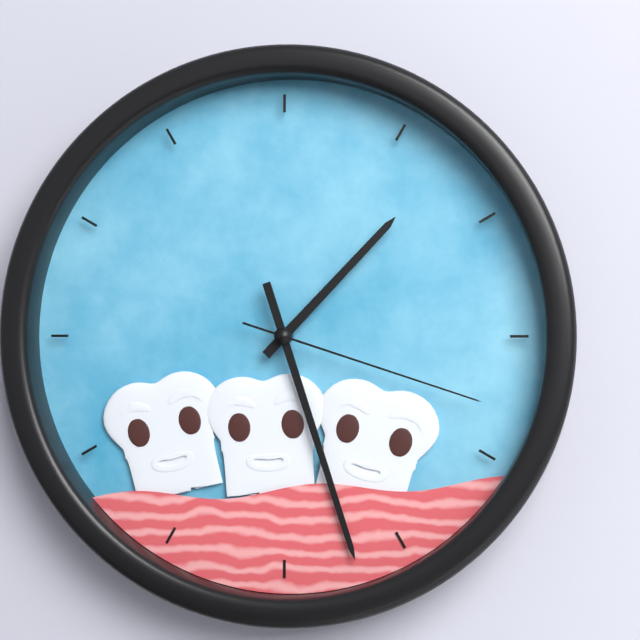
**1:27:18**
